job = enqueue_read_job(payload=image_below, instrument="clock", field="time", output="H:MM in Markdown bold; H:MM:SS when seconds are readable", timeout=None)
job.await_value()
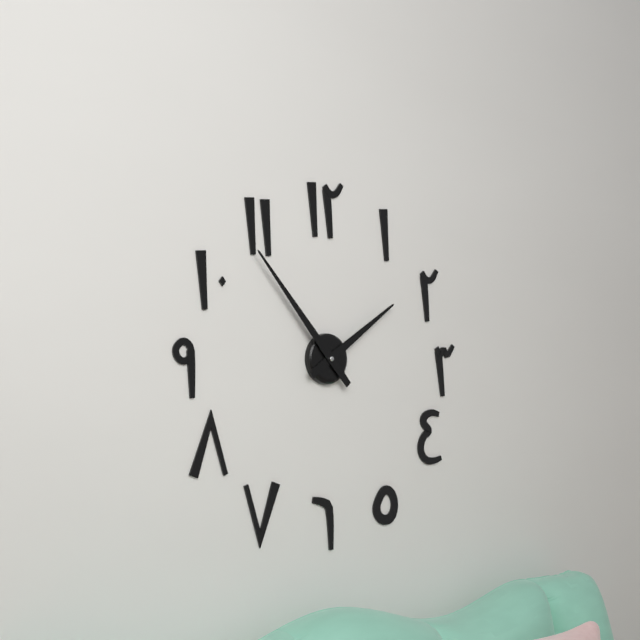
**1:53**
